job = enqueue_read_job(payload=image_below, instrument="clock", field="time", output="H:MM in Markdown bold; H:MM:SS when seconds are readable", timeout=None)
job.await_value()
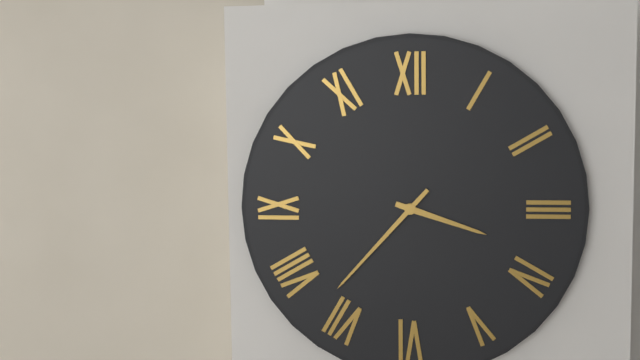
**3:37**
